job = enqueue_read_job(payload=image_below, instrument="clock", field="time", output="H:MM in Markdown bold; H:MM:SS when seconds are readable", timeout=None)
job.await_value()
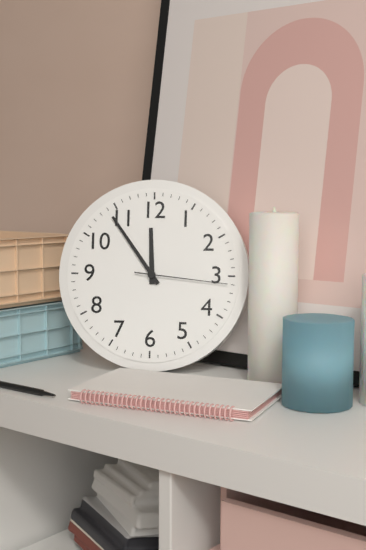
**11:54:16**
